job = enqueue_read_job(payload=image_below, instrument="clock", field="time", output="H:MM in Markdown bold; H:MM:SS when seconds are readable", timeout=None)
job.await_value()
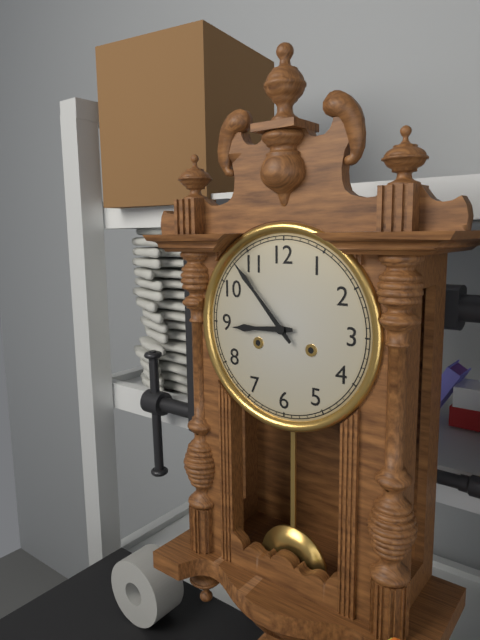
**8:53**
